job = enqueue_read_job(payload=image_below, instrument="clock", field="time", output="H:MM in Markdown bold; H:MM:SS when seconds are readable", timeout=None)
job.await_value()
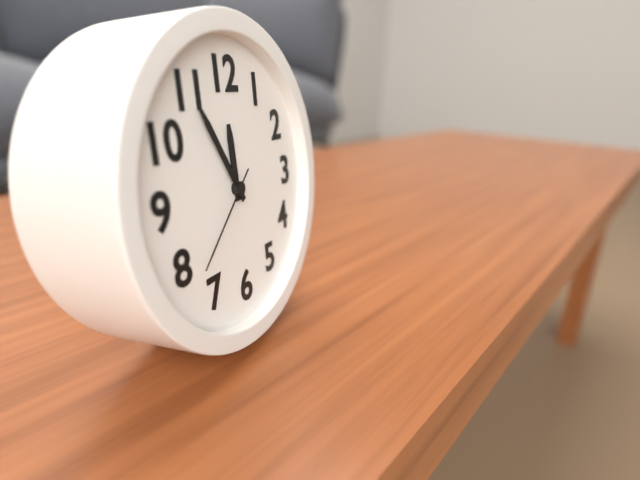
**11:55:38**
